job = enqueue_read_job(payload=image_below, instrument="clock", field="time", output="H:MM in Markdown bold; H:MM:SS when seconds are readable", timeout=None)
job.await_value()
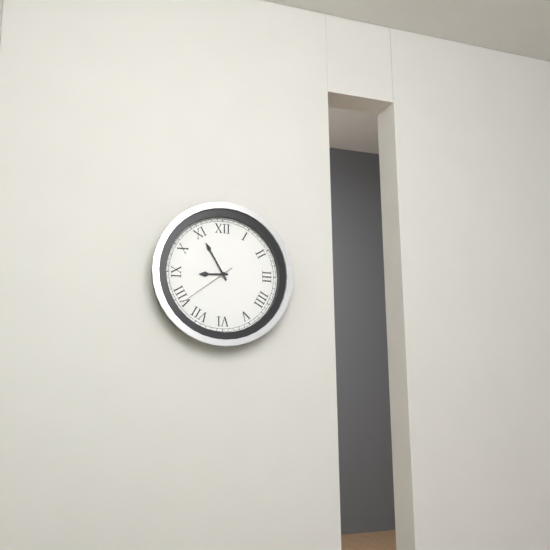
**8:55:39**
